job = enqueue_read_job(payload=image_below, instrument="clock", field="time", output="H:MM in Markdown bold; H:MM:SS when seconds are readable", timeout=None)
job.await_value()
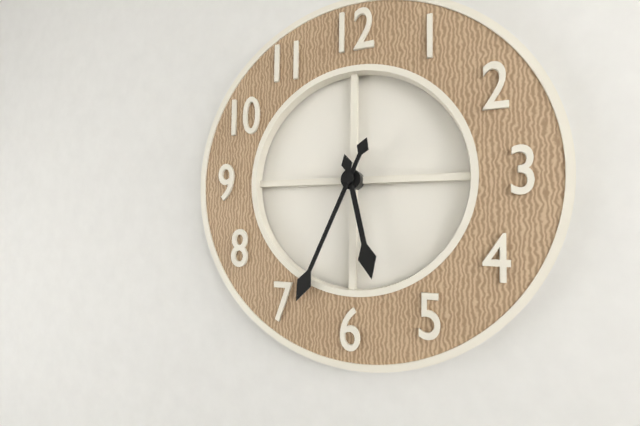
**5:34**
